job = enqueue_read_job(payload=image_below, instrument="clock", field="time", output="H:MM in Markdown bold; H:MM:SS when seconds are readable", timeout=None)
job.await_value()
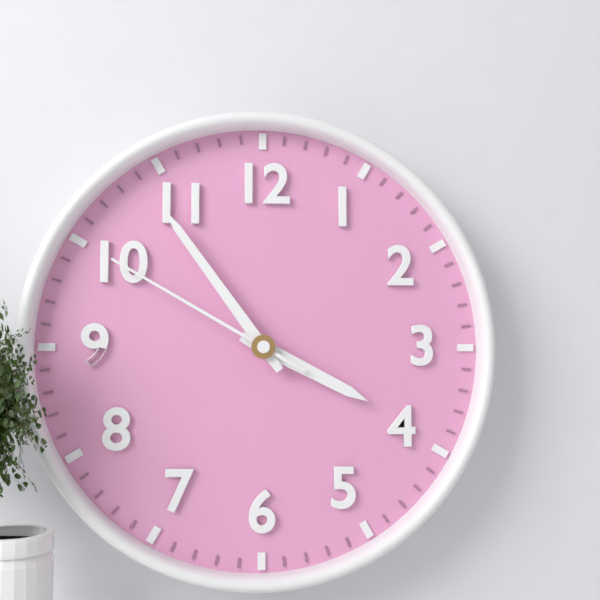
**3:54:50**
